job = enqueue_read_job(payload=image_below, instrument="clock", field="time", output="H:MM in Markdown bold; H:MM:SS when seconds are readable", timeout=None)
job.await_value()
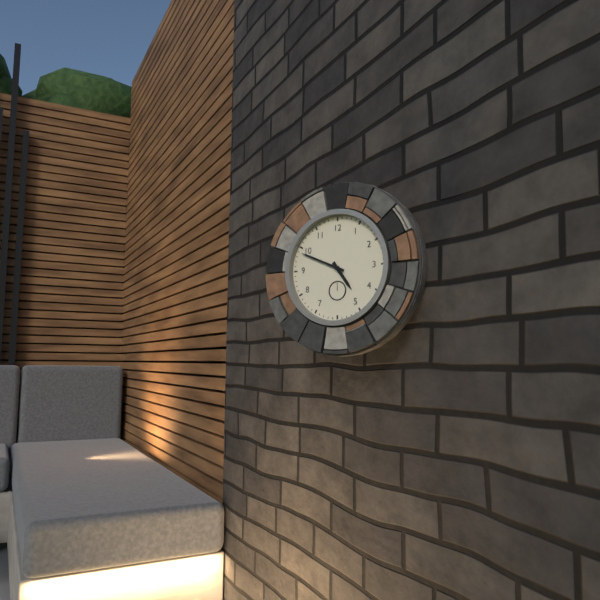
**4:49**
